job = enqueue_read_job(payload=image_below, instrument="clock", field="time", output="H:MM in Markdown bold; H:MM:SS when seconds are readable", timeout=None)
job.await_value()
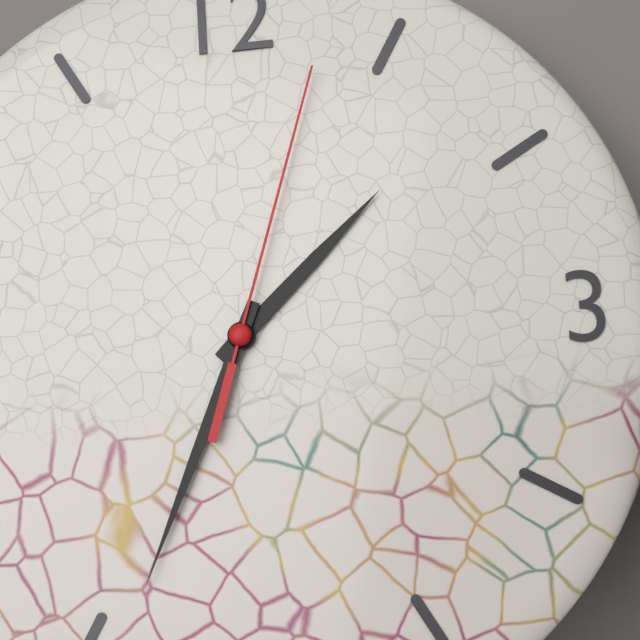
**1:34:03**
